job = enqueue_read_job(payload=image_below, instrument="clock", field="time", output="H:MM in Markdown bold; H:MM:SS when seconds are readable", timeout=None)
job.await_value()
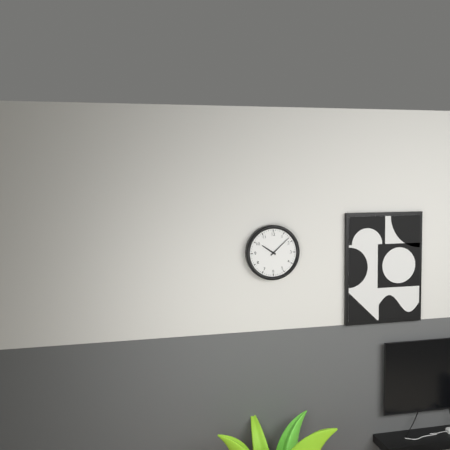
**10:08**
